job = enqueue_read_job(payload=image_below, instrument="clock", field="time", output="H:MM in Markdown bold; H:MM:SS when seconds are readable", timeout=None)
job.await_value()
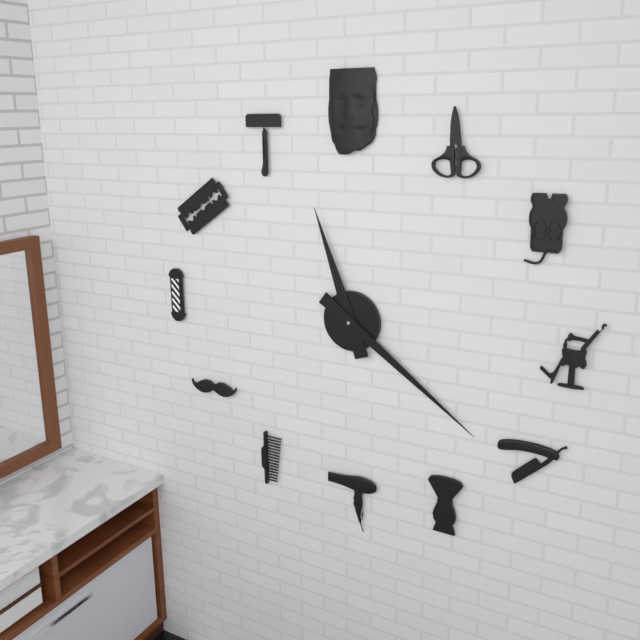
**11:21**
